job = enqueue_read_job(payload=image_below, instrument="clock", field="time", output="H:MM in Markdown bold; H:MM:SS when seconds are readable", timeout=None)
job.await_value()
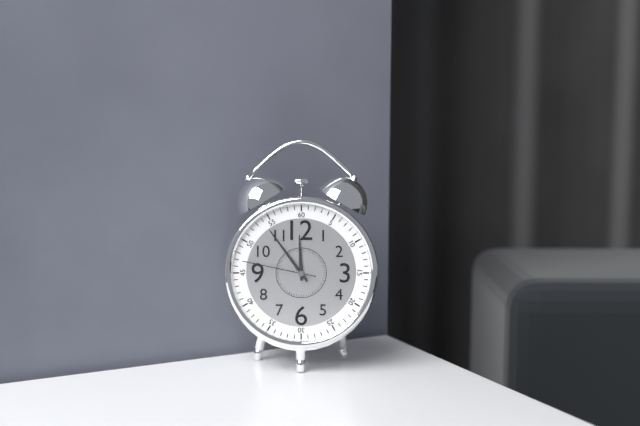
**11:54:47**
